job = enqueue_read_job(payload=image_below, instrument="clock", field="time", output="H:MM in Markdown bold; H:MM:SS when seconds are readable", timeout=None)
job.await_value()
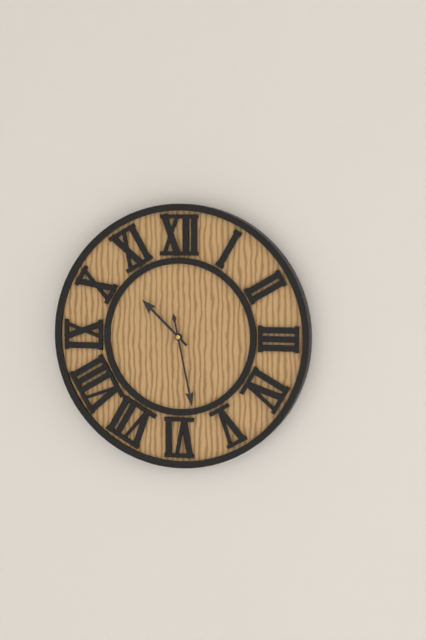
**10:28**
